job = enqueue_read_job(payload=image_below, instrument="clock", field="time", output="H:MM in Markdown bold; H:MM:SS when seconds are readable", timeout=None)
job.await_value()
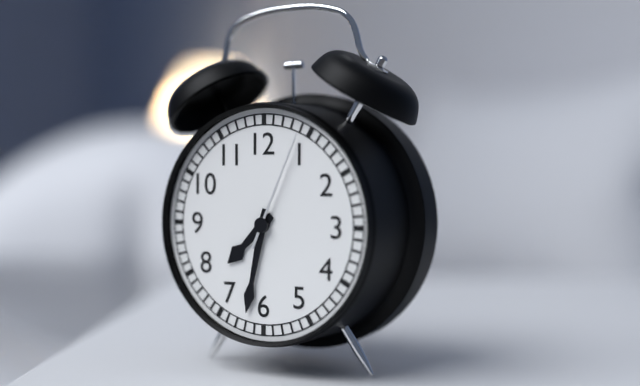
**7:32:04**
